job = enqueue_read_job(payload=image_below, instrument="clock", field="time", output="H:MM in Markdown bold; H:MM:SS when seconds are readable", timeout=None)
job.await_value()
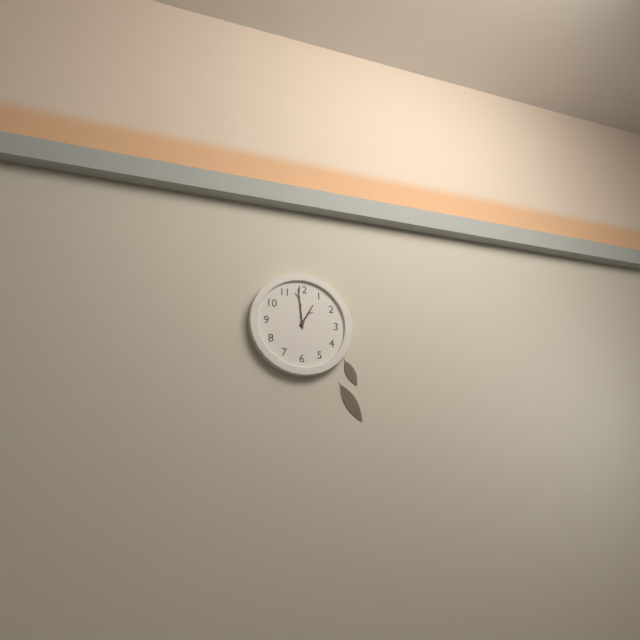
**12:59**
